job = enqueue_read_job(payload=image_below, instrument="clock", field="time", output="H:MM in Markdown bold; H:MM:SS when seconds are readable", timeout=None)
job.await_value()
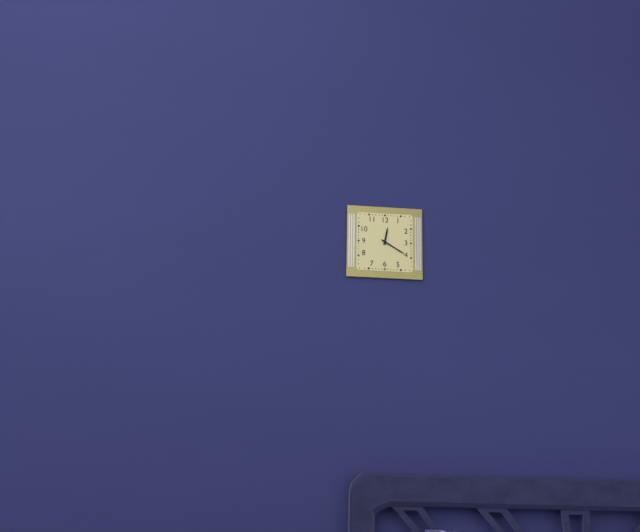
**12:20**
